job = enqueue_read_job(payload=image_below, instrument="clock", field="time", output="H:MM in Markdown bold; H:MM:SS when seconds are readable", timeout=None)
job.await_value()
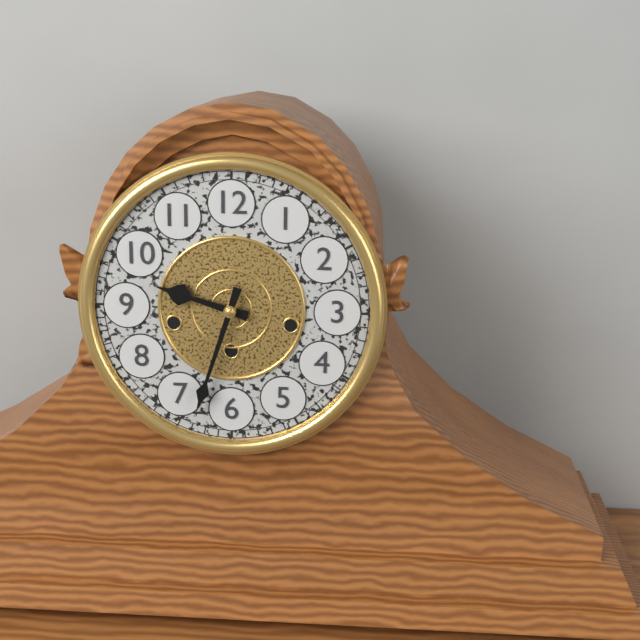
**9:33**
